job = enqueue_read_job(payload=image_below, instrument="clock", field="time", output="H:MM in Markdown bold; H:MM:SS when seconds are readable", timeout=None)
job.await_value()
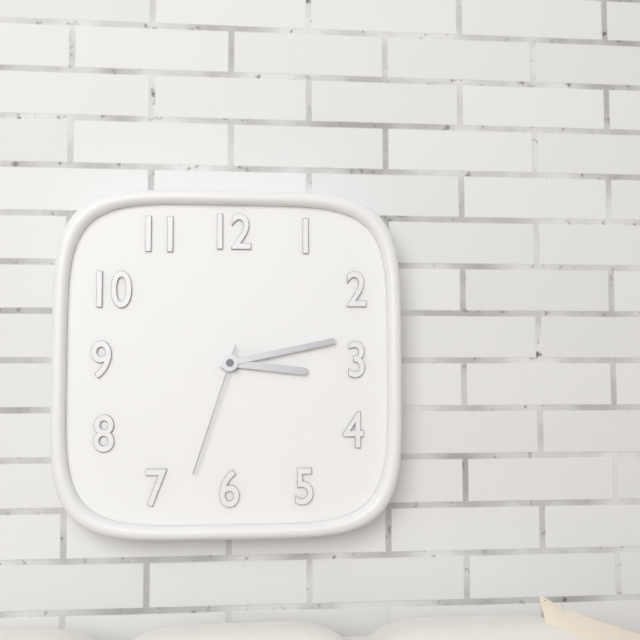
**3:13:33**
